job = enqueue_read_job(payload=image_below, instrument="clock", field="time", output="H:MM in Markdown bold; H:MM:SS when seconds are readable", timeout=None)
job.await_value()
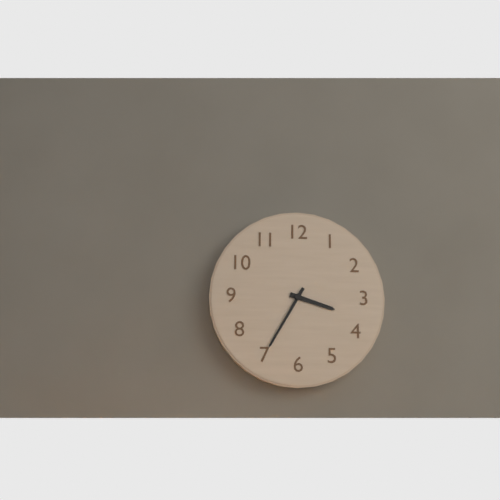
**3:35**
